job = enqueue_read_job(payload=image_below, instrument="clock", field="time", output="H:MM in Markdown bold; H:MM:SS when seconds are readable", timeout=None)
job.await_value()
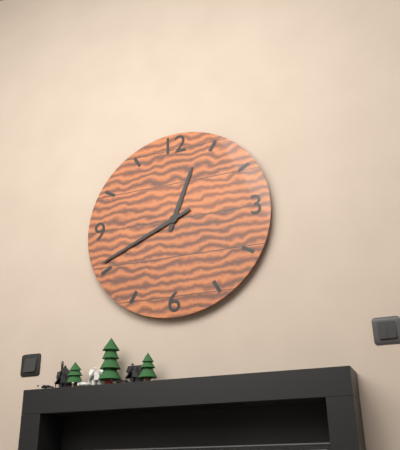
**12:41**
